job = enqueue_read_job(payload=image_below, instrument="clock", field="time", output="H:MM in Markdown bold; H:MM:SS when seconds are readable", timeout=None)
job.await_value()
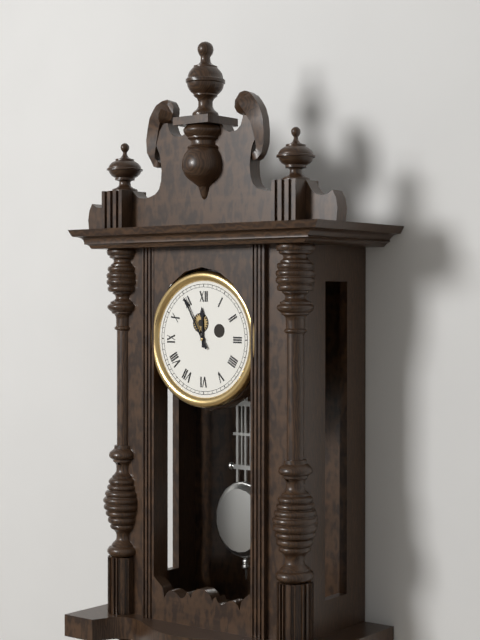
**11:55**
